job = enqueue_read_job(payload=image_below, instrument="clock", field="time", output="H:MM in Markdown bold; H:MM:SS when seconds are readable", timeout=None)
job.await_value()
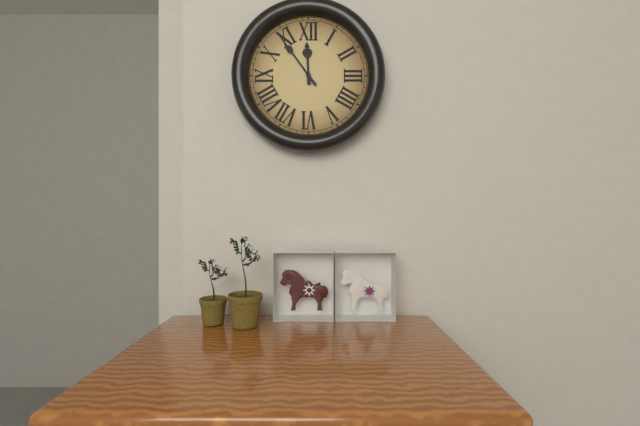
**11:54**
